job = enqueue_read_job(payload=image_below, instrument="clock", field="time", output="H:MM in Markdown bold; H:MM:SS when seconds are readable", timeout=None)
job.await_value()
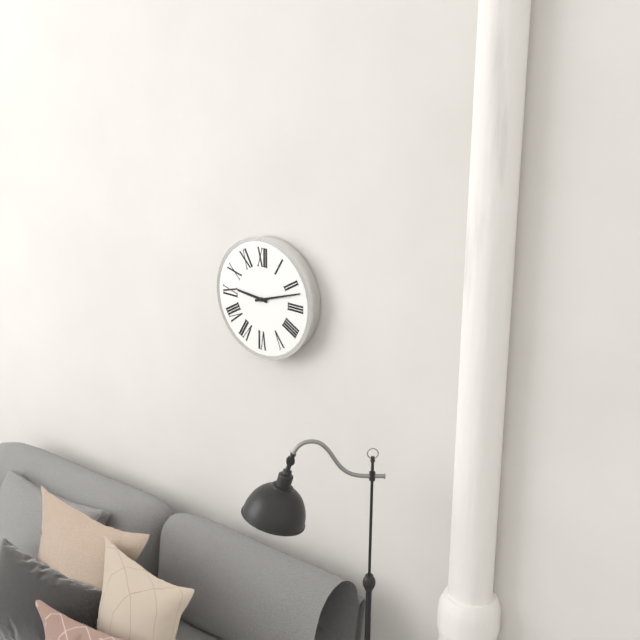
**9:12**
